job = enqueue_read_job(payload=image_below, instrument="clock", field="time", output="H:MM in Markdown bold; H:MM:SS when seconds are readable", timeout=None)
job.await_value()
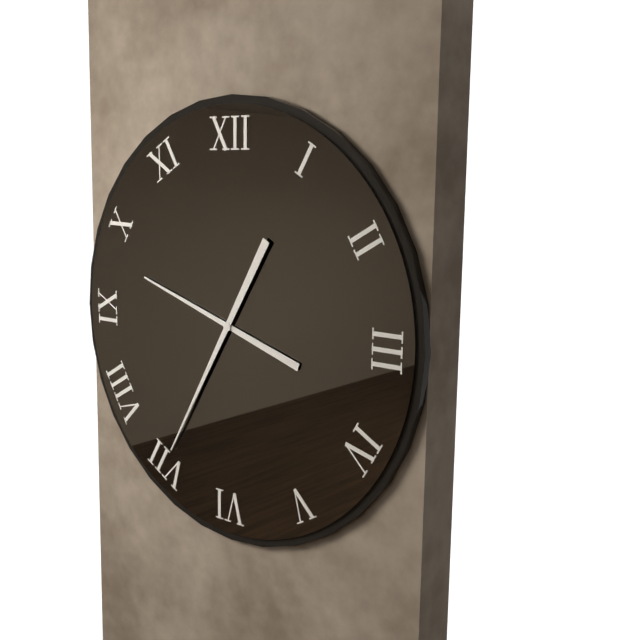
**9:35**
